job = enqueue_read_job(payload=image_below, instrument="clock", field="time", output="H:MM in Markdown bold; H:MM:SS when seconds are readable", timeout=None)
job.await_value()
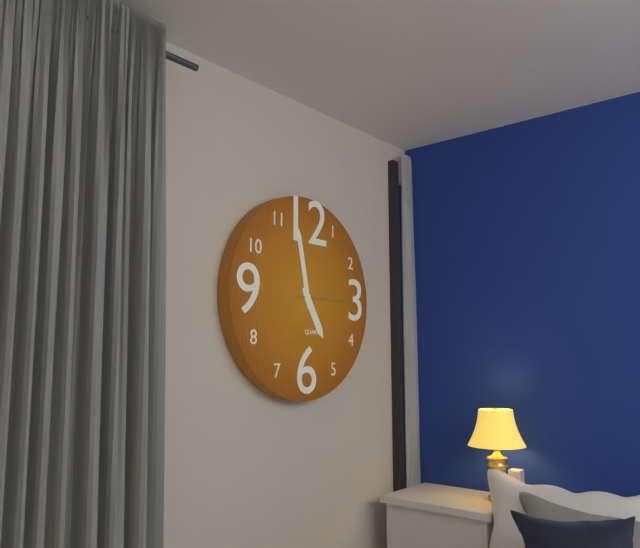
**4:58:15**
